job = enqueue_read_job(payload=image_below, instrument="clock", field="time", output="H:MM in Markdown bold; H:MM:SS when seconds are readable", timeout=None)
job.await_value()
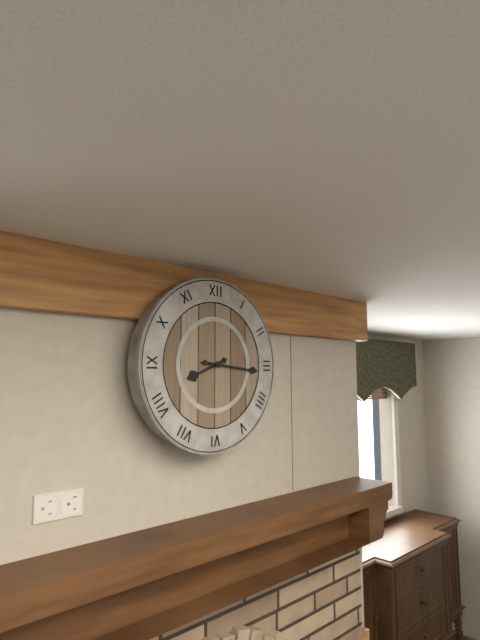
**8:16**
